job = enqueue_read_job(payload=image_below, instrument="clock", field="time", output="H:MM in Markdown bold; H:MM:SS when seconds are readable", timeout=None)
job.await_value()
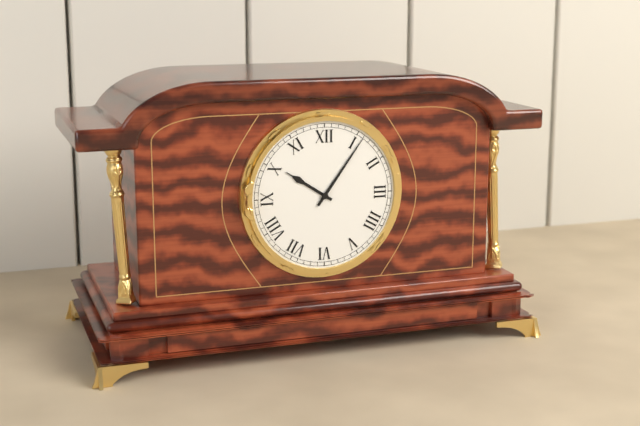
**10:06**
